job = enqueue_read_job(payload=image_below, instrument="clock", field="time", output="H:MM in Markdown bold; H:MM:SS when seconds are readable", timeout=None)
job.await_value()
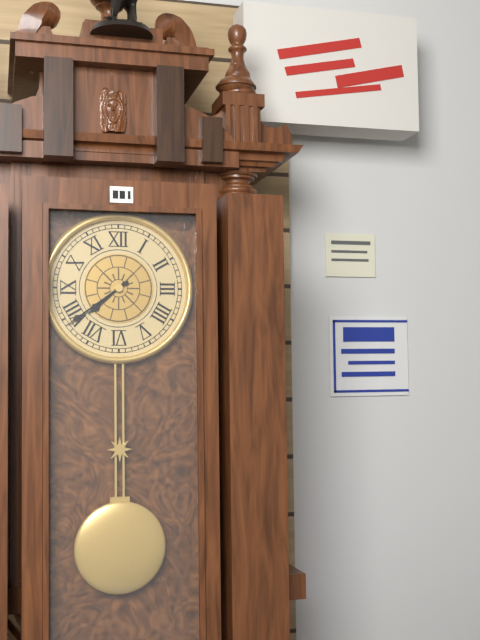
**7:39**
